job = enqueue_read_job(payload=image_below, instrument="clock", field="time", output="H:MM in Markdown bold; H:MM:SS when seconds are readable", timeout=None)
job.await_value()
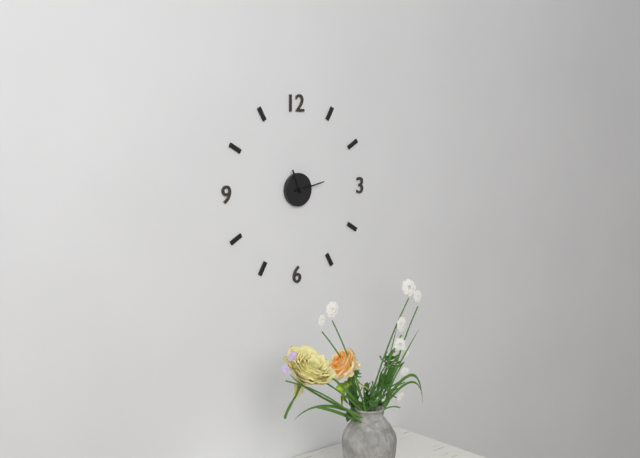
**11:13**
